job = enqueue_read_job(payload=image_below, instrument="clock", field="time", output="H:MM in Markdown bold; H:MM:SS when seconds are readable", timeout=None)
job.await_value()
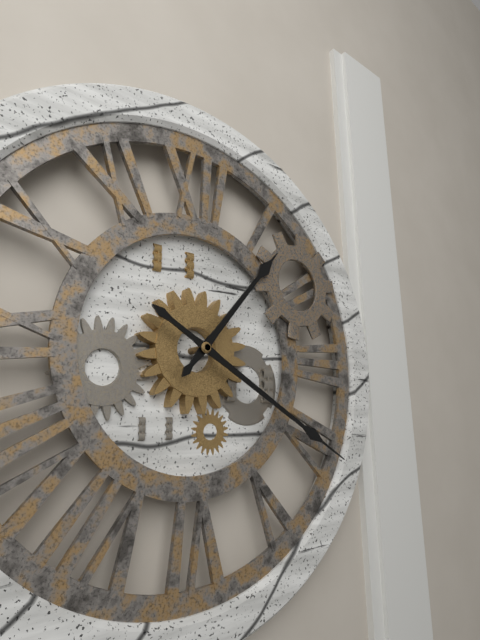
**1:20**
